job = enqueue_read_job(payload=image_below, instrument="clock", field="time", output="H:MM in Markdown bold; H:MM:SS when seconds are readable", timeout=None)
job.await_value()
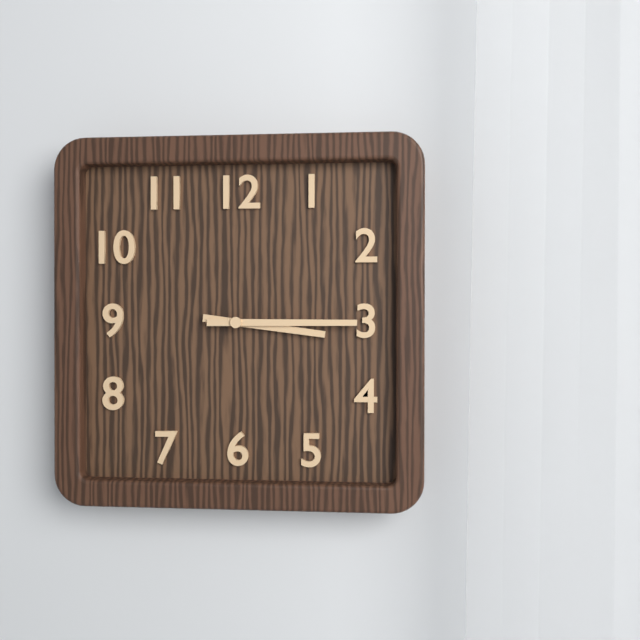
**3:15**
